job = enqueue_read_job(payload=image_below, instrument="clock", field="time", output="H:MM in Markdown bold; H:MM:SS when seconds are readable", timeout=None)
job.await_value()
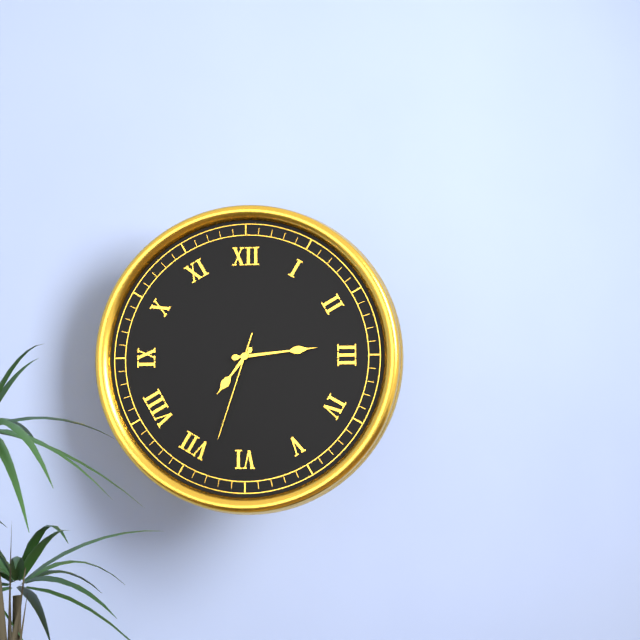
**7:14:33**
